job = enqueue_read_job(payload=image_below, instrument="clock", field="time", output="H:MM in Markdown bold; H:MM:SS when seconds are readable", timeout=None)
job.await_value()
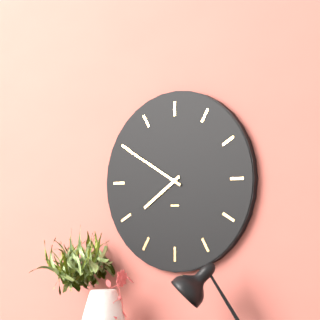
**7:50**
